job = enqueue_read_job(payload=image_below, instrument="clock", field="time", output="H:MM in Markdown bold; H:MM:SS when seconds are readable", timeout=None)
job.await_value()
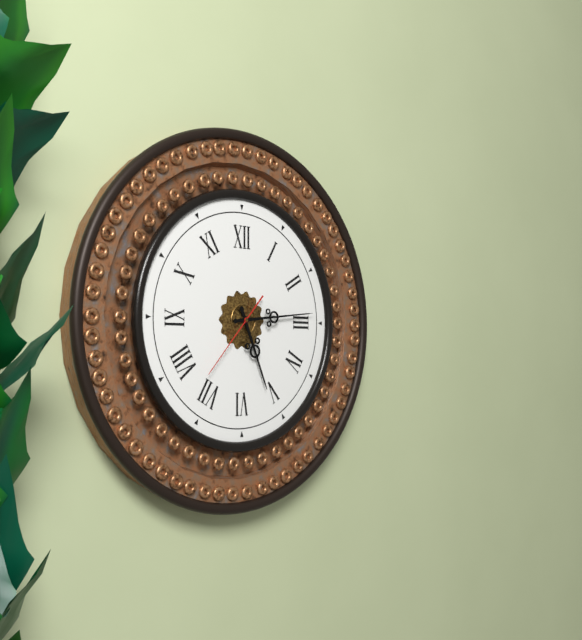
**5:14:37**
